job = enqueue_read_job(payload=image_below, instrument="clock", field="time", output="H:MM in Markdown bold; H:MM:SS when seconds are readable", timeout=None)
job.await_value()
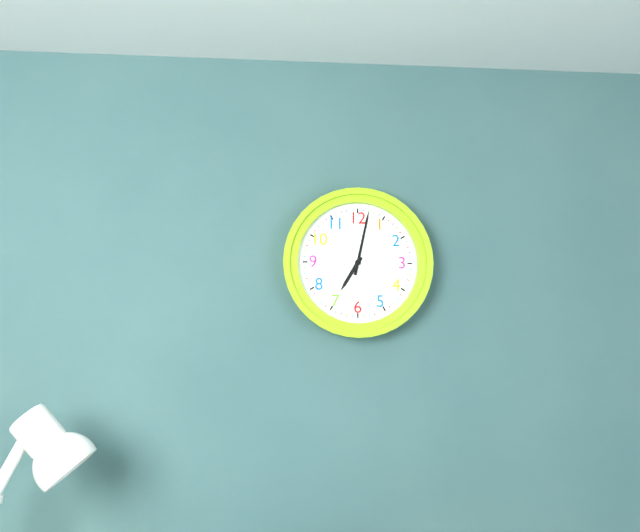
**7:02**
